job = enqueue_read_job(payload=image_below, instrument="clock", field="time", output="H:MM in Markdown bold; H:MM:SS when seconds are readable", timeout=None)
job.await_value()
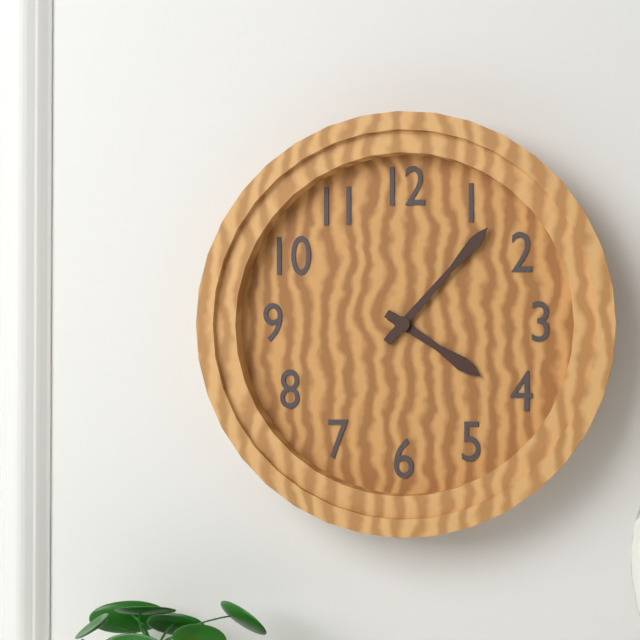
**4:07**
